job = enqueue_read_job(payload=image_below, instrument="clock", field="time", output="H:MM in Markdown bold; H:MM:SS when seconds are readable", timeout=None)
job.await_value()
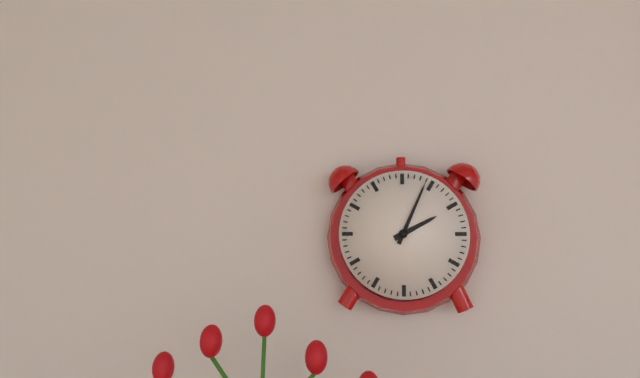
**2:04**
